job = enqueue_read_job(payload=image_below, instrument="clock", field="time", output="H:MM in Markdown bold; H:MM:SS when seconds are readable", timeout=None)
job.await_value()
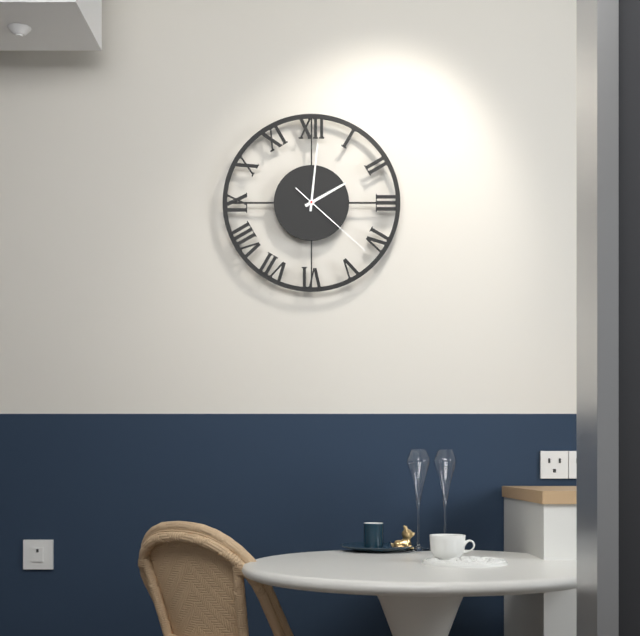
**2:01:22**
